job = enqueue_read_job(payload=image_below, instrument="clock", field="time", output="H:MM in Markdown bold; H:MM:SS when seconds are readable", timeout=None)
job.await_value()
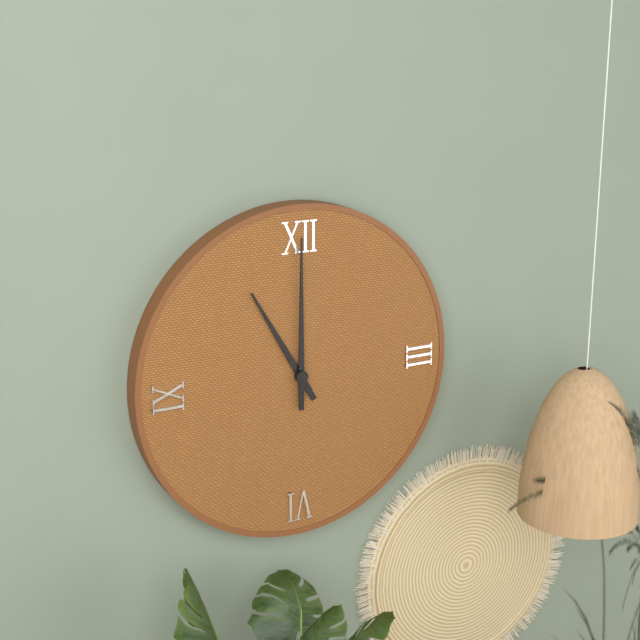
**11:00**
